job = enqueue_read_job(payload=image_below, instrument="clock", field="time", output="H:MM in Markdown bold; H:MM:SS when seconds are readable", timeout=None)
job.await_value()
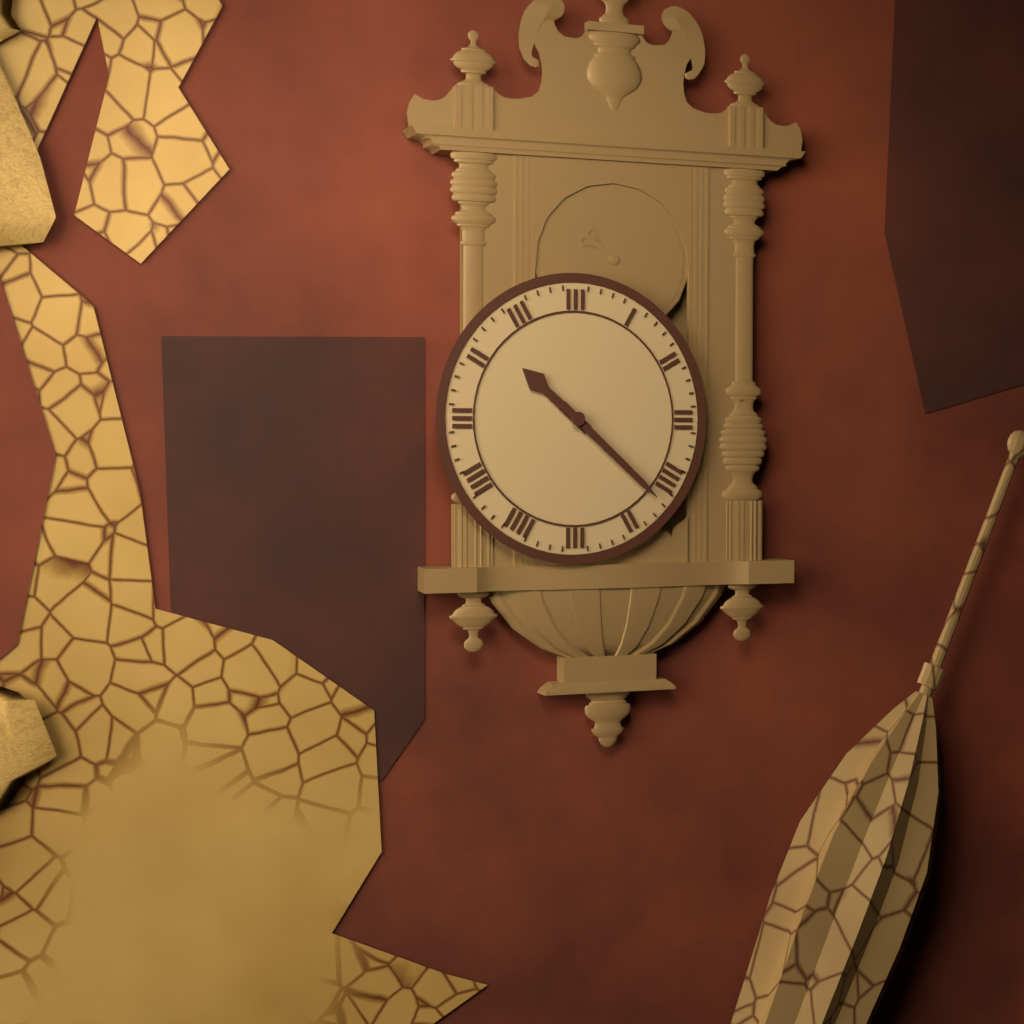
**10:22**
